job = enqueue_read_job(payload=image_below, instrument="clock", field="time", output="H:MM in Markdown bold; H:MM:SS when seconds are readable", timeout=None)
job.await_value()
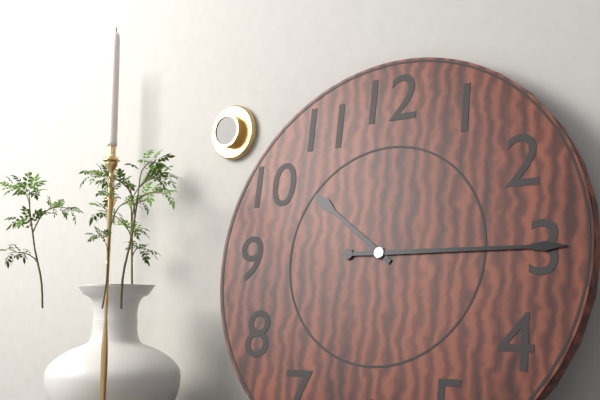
**10:15**
